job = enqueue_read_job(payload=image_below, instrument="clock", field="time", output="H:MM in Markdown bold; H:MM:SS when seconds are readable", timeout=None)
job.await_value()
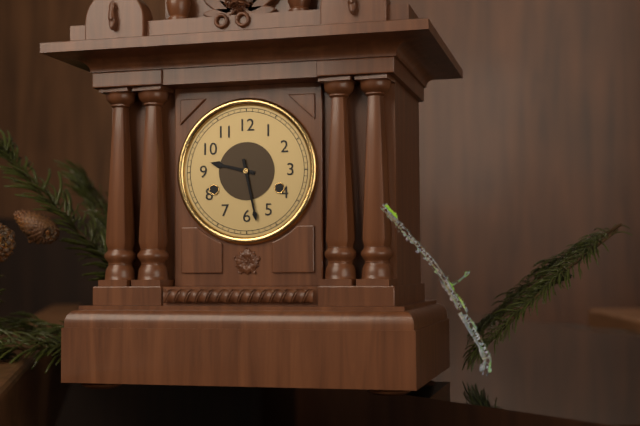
**9:28**
